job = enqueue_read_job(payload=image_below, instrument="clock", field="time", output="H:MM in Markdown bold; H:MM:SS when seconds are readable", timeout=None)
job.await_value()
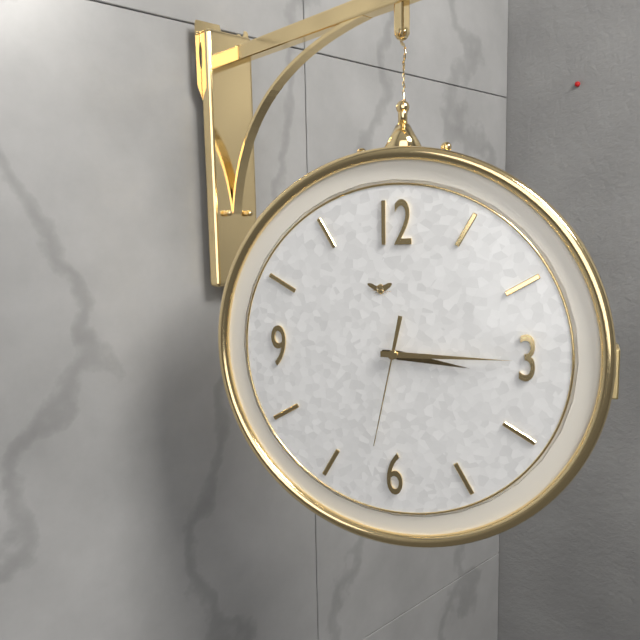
**3:15:32**
